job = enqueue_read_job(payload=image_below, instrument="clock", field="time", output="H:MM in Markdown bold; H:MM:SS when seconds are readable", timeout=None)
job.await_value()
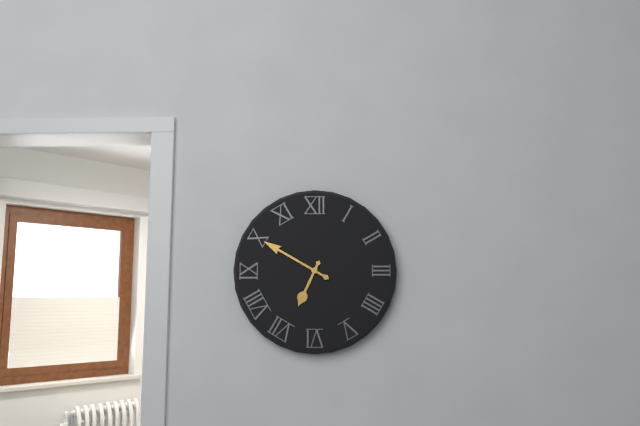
**6:50**
